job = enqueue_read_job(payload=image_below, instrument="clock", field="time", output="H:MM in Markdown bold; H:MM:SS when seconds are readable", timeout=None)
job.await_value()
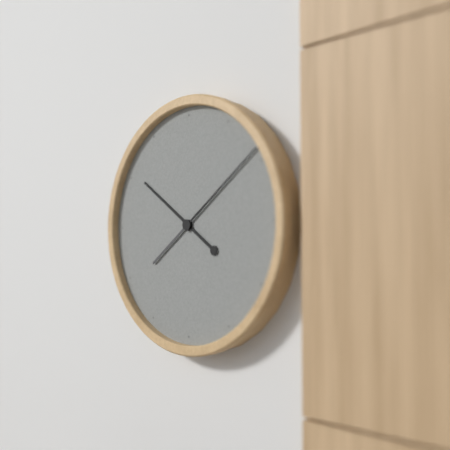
**10:09**
